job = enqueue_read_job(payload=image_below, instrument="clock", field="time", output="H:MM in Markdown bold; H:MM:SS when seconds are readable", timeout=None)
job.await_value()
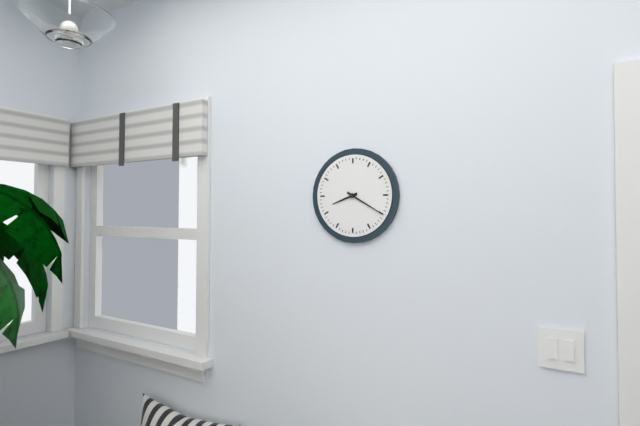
**8:20**
